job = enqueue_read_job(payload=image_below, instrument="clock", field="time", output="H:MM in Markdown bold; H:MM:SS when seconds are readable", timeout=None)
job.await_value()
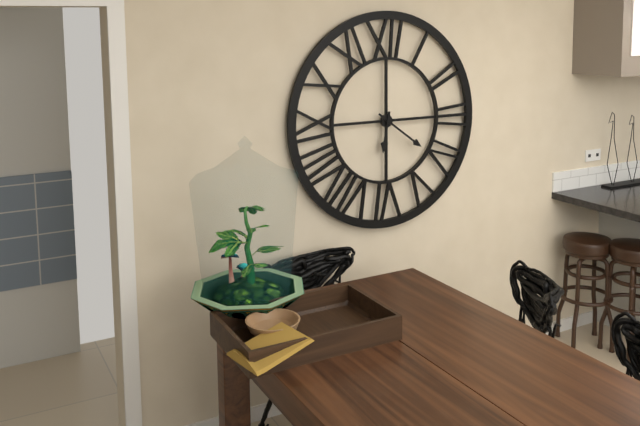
**6:21**
